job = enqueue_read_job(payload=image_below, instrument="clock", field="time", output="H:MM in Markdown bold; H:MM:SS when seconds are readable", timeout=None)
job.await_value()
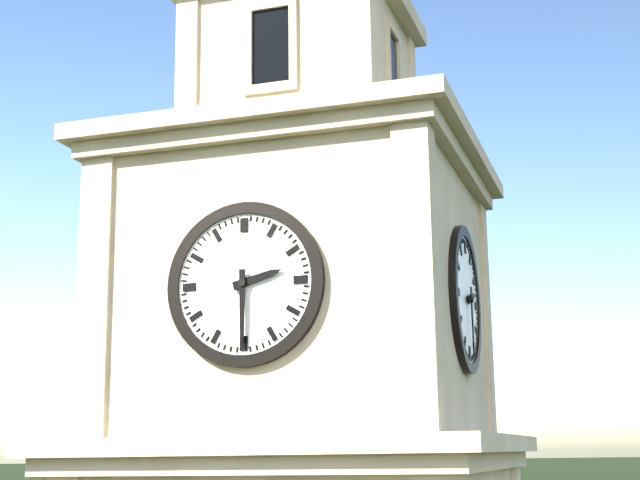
**2:30**
